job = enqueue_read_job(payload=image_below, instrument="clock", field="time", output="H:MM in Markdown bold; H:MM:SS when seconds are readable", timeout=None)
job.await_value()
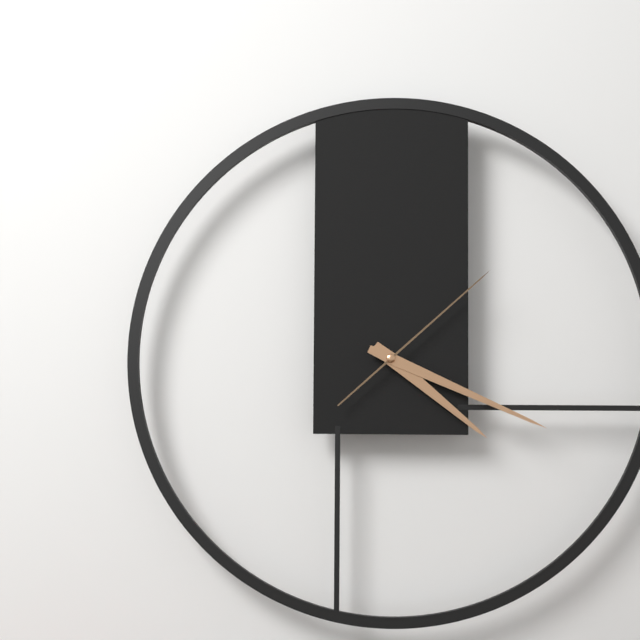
**4:19:08**
